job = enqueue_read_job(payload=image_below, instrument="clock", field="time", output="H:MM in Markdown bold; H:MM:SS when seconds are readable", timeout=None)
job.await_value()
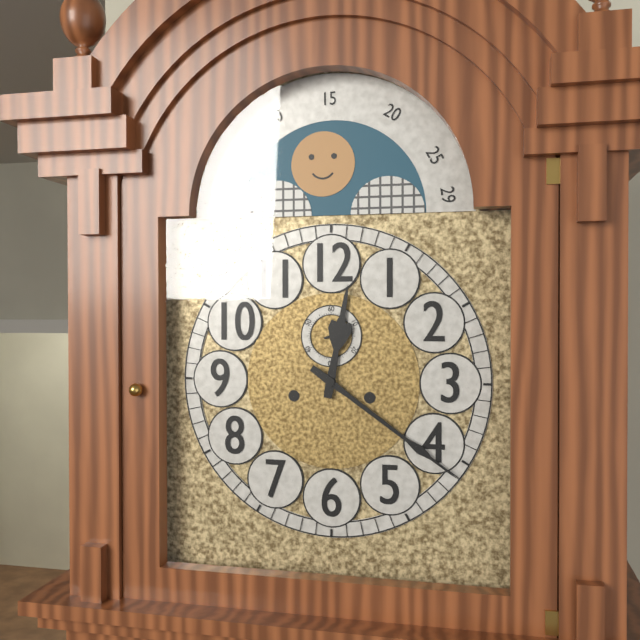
**12:21**
